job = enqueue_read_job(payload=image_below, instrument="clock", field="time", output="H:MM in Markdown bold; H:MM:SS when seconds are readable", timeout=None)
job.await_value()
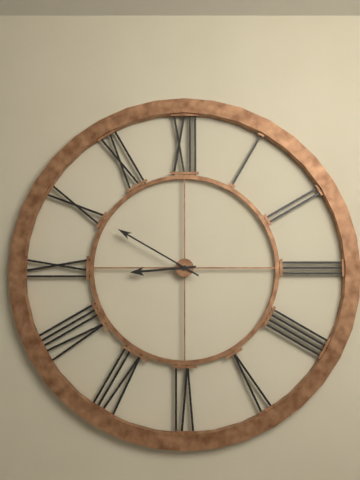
**8:50**
